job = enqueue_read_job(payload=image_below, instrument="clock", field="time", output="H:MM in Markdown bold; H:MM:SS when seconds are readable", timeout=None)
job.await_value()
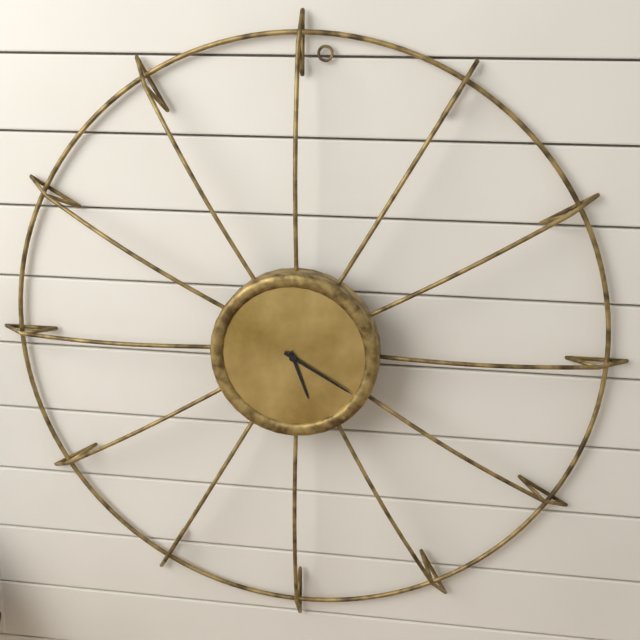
**5:20**
